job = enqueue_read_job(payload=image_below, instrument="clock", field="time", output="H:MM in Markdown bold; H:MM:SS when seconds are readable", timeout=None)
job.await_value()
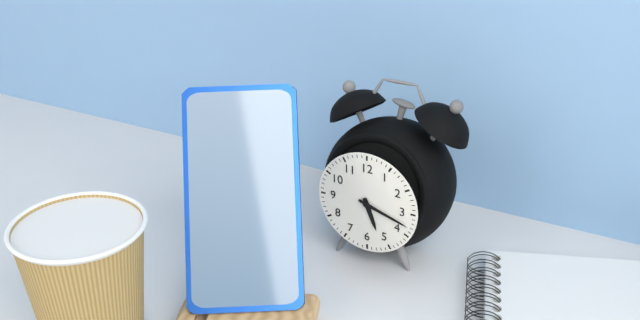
**5:18**
